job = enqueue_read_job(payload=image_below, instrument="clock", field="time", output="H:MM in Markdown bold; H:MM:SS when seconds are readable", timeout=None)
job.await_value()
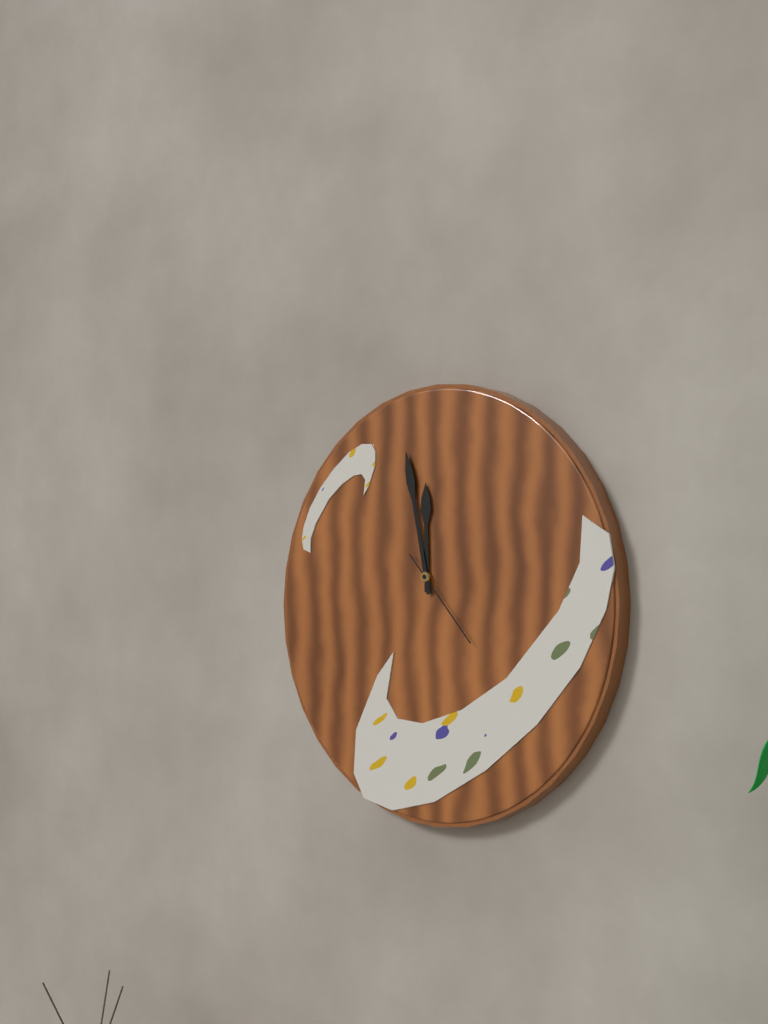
**11:58:23**
